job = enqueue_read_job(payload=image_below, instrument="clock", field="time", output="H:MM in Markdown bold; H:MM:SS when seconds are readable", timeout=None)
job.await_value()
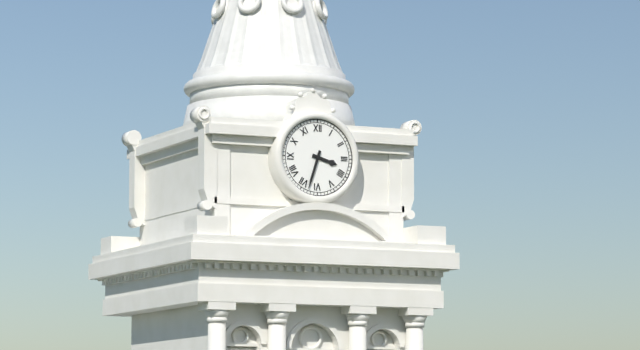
**3:33**
